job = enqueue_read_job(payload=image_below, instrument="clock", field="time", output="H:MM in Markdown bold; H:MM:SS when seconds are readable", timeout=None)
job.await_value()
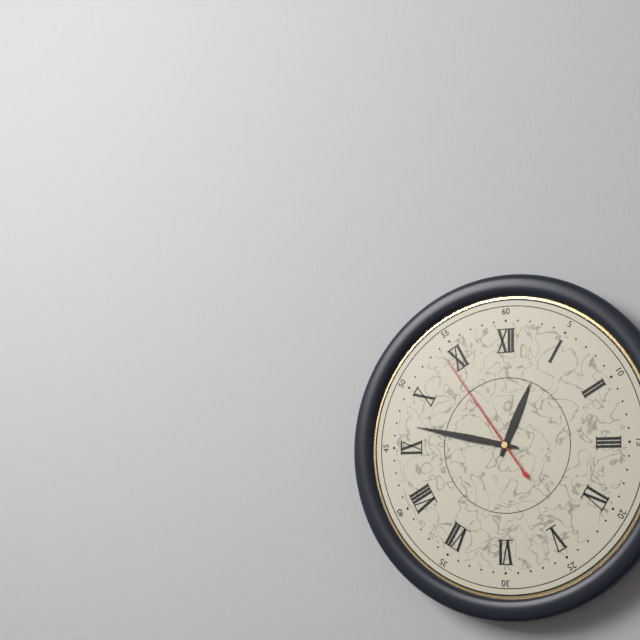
**12:47:54**
